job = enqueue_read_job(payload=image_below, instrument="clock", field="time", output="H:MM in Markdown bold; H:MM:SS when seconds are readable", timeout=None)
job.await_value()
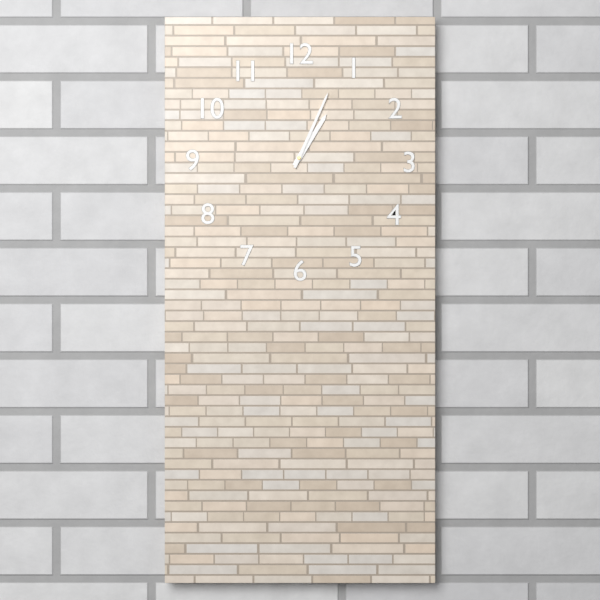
**1:04**
